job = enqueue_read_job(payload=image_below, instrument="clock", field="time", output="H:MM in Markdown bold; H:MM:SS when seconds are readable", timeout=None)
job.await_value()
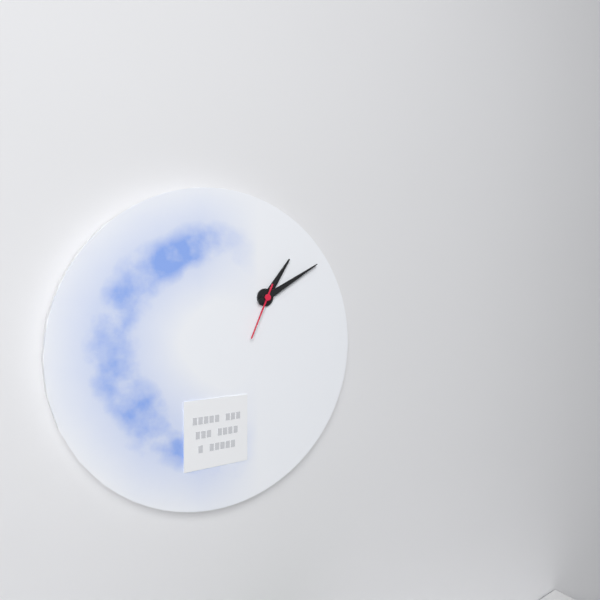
**1:10:34**
